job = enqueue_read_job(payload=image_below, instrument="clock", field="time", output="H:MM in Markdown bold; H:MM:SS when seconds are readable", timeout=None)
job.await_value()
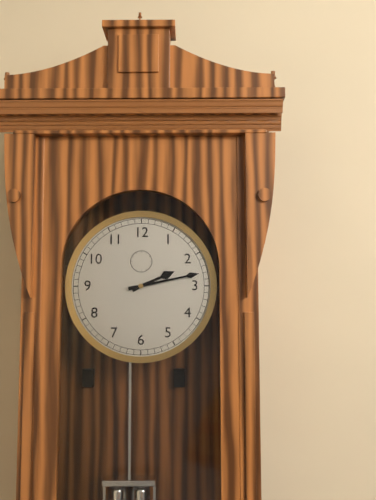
**2:13**
